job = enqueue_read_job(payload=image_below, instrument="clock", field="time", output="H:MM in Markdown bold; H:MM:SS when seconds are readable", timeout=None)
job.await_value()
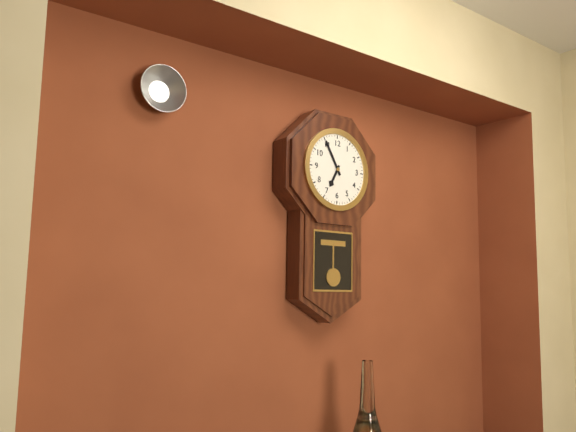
**6:55**
